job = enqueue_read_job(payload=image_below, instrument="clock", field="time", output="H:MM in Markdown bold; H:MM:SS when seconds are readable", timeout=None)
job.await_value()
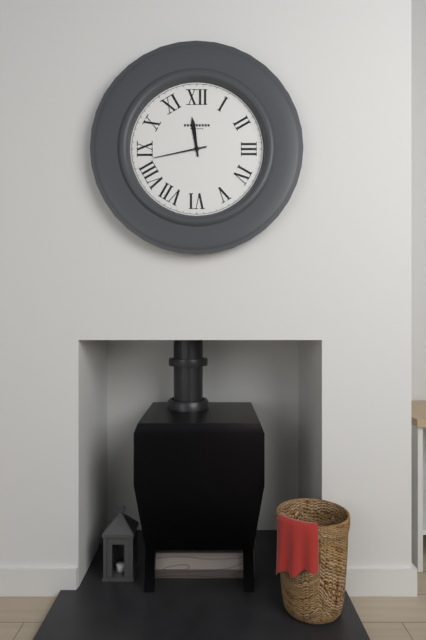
**11:43**
